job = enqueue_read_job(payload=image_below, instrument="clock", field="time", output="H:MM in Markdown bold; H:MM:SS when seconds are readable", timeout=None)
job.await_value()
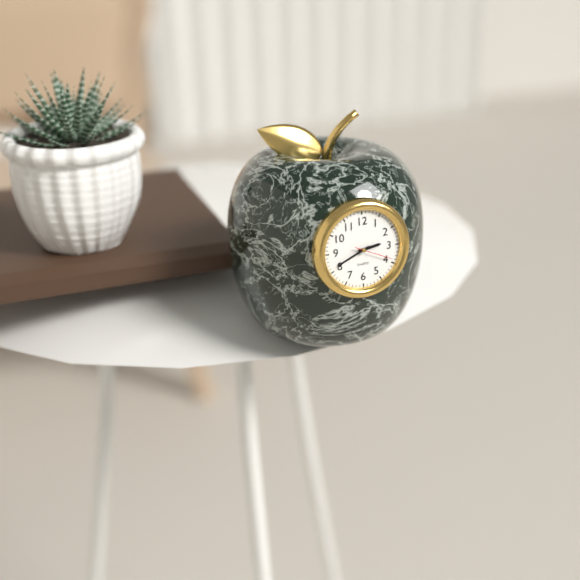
**2:41**
